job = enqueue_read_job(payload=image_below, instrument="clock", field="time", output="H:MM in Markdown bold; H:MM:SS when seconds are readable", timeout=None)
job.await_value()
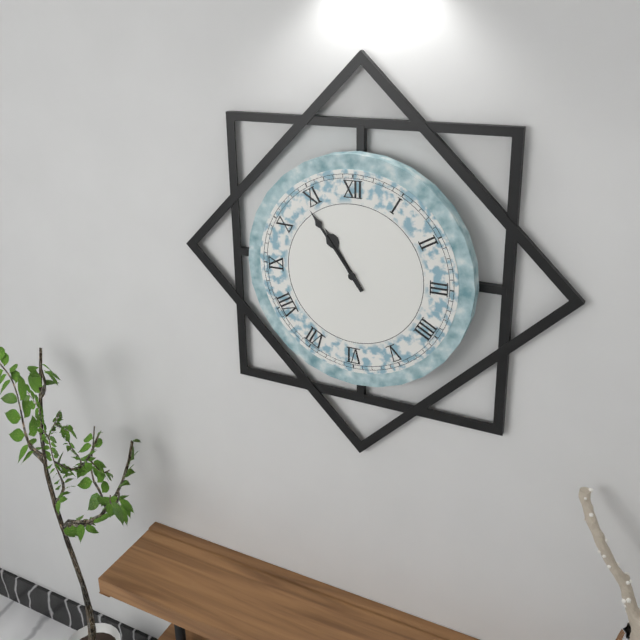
**10:54**
